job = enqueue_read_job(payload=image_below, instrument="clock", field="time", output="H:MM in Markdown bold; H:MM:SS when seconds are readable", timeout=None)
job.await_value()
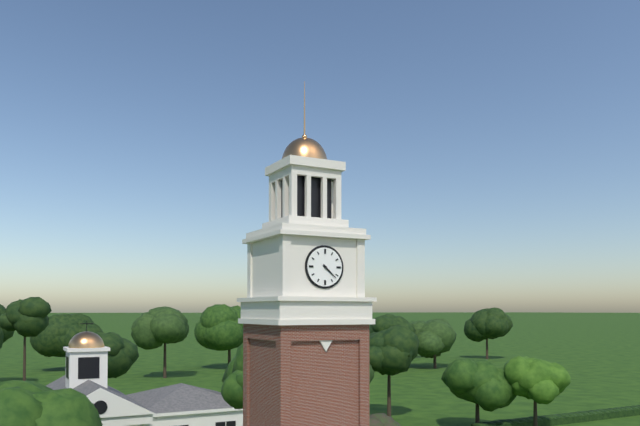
**4:22**
